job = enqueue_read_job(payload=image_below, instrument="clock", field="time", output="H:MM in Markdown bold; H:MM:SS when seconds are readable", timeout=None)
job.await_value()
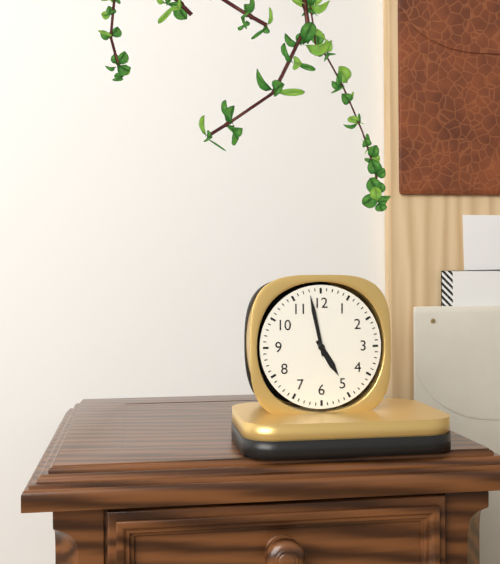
**4:58**
